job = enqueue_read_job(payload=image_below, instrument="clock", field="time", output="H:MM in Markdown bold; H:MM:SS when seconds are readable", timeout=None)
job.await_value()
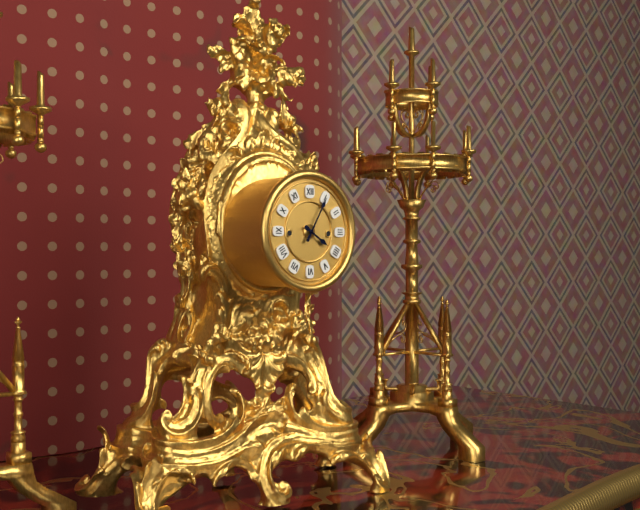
**4:05**
